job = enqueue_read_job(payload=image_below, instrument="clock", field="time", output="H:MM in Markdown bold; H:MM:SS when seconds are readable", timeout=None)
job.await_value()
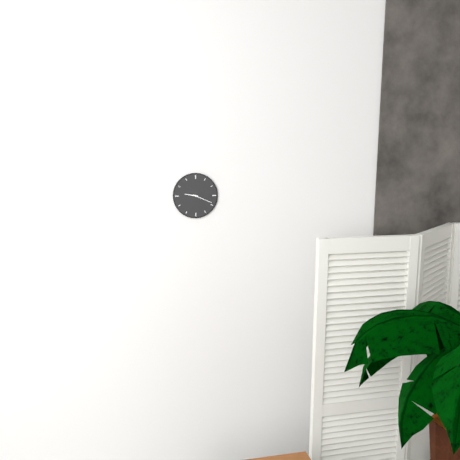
**9:19**
